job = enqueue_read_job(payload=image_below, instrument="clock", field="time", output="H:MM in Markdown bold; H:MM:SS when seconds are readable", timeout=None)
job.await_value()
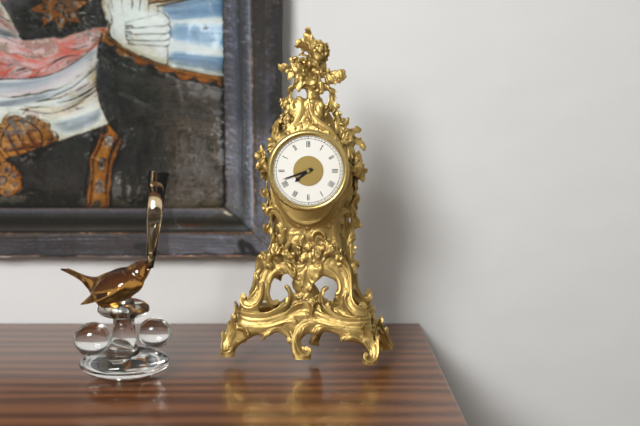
**7:42**
